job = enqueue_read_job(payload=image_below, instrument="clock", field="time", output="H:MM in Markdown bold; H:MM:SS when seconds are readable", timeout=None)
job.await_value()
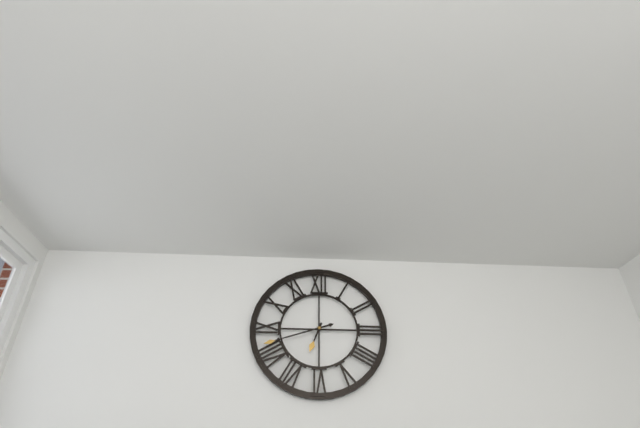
**6:42**
